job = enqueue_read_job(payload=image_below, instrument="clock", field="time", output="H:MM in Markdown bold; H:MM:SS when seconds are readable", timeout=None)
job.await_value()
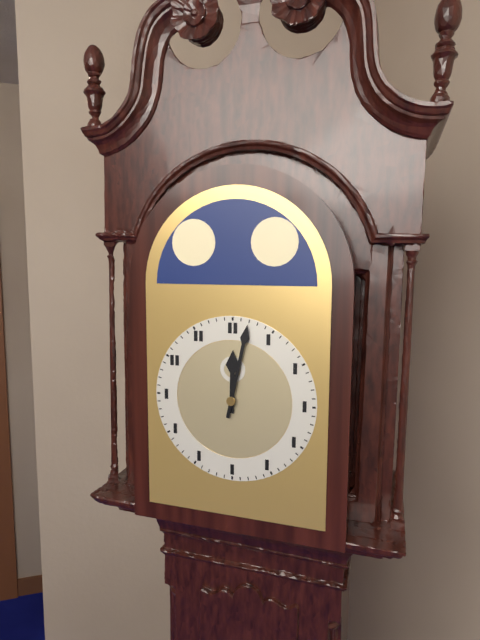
**12:02**
